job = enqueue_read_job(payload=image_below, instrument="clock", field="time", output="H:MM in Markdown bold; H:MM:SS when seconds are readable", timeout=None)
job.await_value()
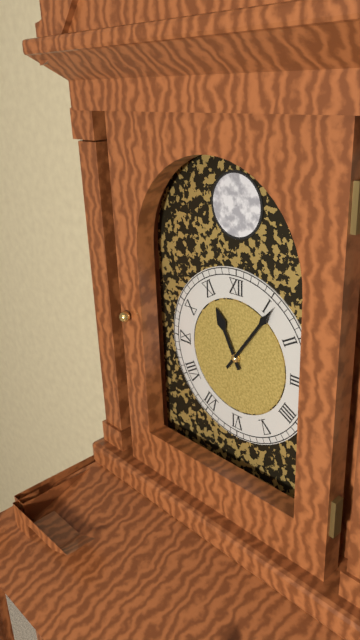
**11:06**
